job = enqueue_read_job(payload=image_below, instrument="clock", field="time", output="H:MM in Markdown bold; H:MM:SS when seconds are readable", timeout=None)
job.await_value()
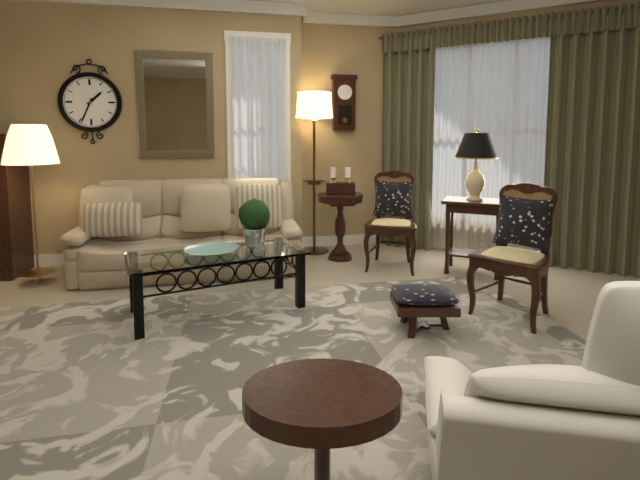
**1:34**
